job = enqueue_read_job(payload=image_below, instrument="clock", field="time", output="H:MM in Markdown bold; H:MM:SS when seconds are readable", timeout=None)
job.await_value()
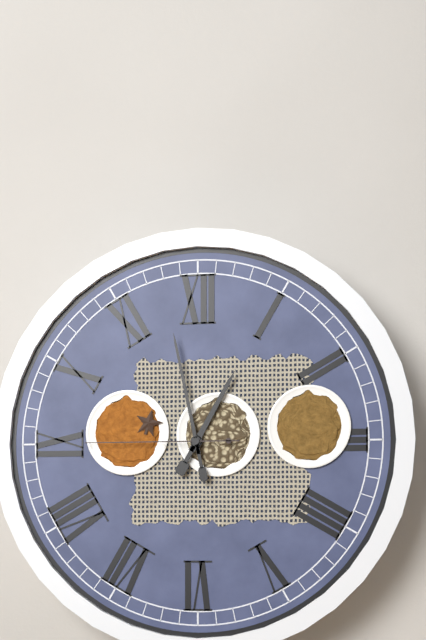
**12:58:45**
